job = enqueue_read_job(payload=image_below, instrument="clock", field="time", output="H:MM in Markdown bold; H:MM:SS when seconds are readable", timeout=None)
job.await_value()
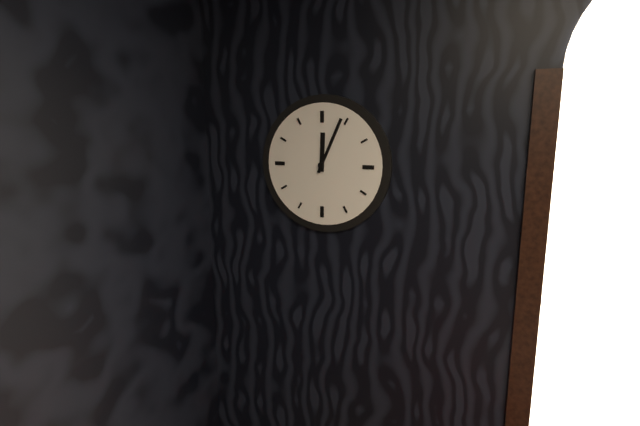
**12:04**
